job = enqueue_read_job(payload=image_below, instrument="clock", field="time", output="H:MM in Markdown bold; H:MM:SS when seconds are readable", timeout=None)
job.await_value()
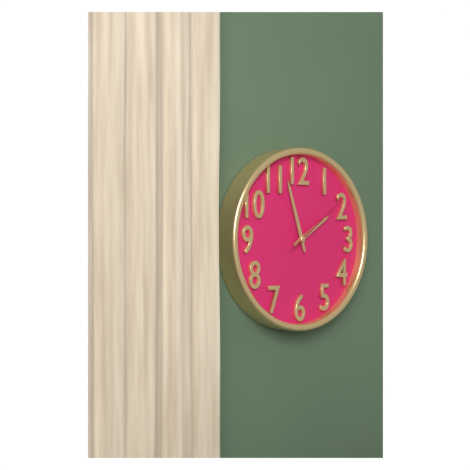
**1:57:09**
